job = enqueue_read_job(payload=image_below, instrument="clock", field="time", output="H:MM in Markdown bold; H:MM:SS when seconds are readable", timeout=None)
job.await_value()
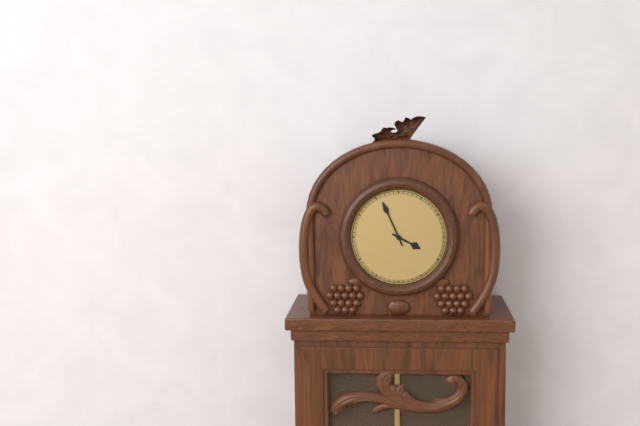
**3:56**
